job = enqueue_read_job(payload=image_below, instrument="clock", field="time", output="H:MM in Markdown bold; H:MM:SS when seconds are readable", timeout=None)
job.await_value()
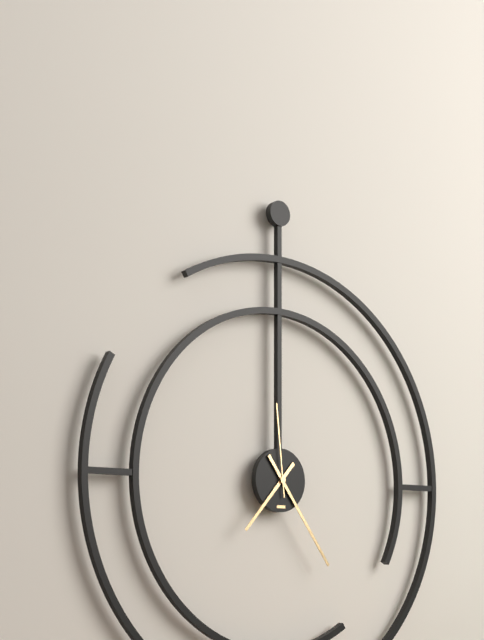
**7:24:59**
